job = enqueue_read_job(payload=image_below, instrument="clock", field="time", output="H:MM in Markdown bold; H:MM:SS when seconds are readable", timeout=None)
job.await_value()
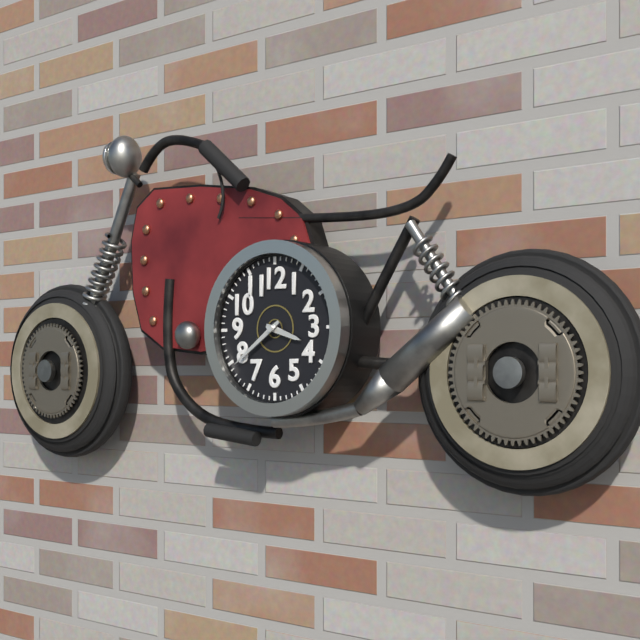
**3:39**
